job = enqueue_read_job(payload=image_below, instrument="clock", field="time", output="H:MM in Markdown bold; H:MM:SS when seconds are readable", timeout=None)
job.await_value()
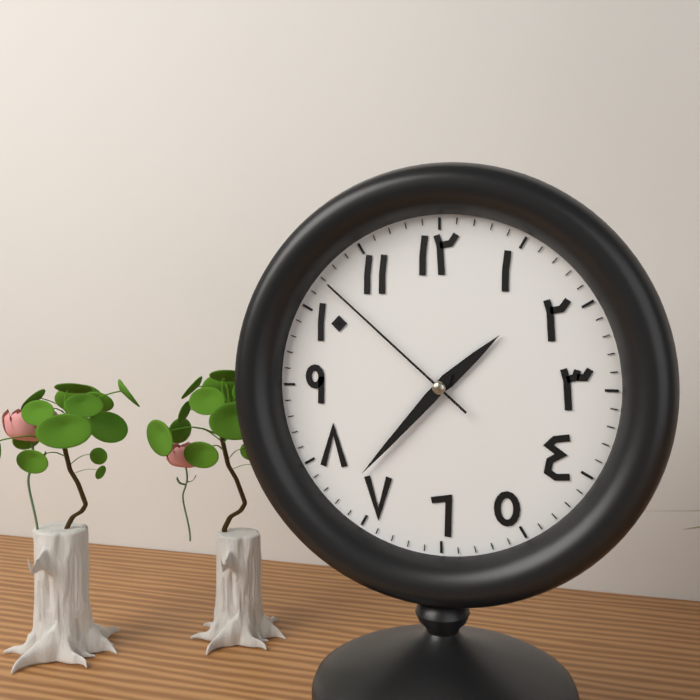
**1:37:52**
